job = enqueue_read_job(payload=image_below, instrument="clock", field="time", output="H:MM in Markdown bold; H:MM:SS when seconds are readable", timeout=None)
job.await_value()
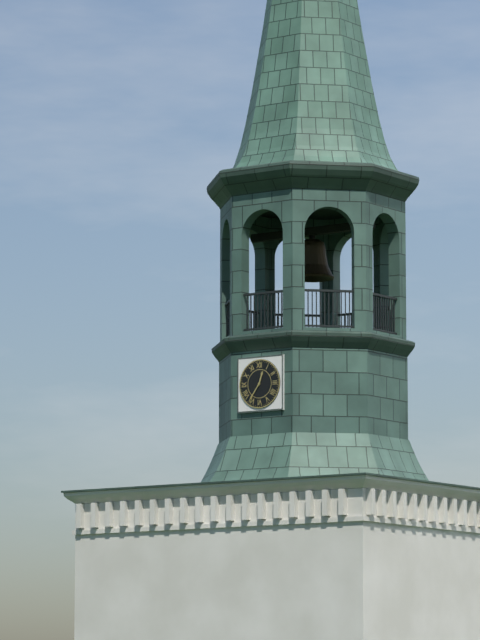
**12:36**
